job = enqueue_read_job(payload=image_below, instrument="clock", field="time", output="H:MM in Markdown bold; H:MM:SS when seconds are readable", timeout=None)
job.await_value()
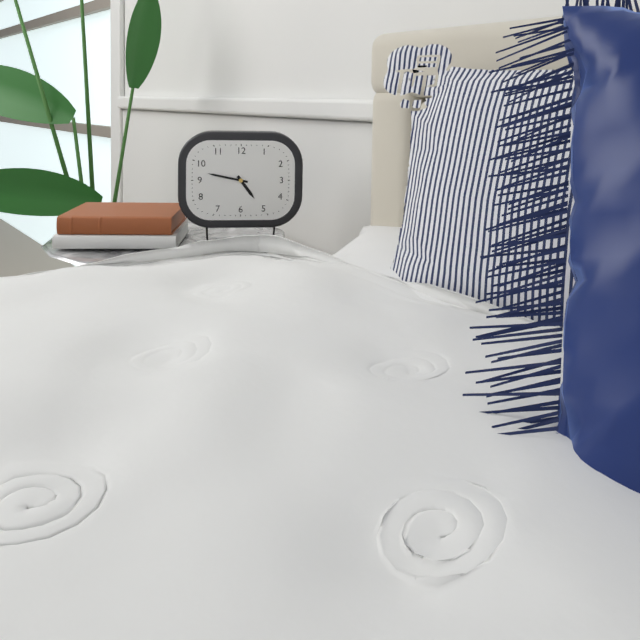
**4:47**
